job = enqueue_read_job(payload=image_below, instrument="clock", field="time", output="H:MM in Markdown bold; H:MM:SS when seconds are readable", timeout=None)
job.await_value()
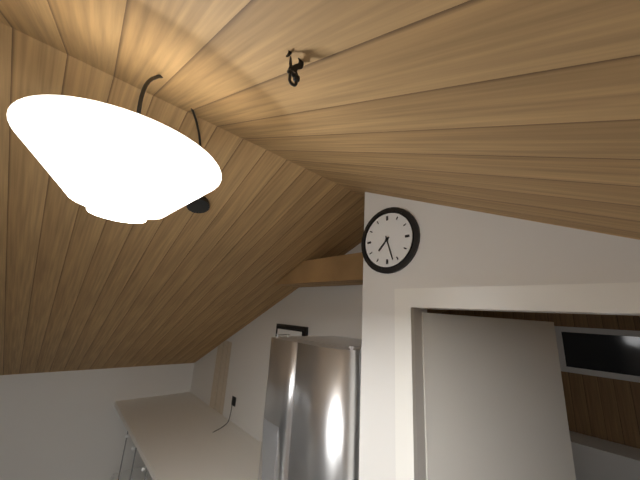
**7:27**
